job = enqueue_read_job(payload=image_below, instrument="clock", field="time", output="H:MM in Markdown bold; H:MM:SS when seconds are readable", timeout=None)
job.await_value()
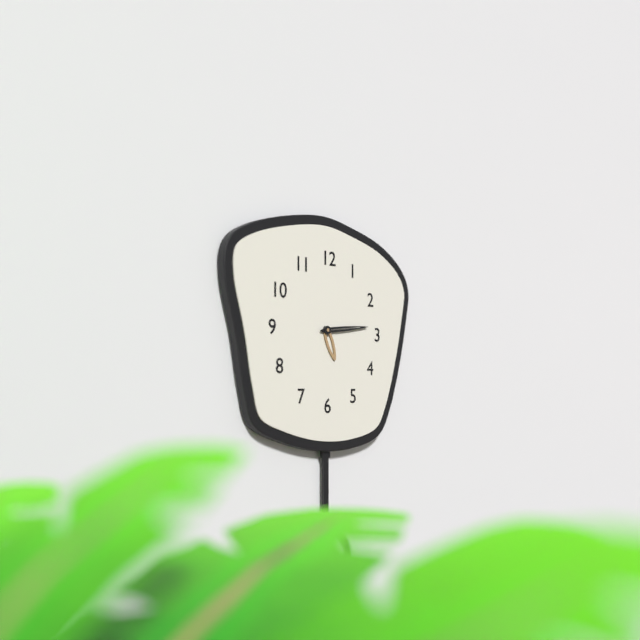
**5:14**
